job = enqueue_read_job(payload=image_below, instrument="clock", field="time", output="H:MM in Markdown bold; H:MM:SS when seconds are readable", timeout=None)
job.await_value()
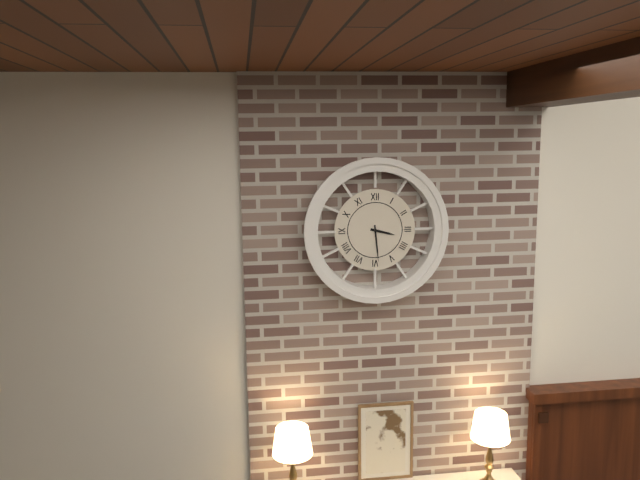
**3:29**
